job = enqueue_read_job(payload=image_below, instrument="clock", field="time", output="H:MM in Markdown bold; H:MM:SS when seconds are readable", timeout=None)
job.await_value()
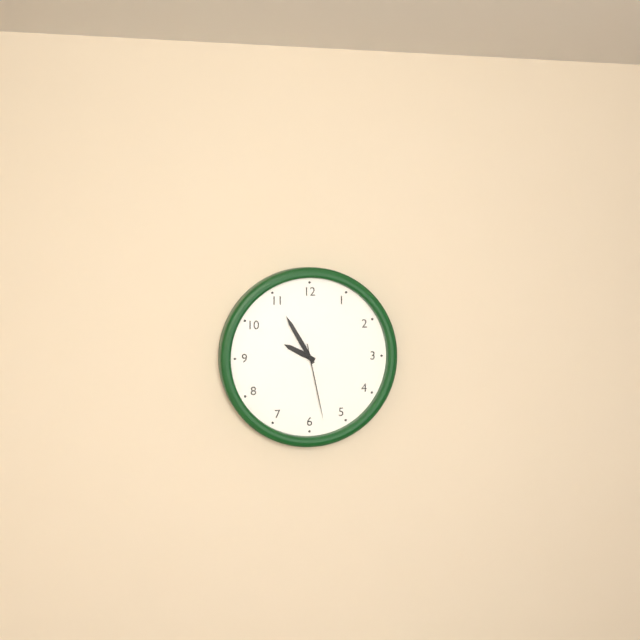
**9:55:28**
